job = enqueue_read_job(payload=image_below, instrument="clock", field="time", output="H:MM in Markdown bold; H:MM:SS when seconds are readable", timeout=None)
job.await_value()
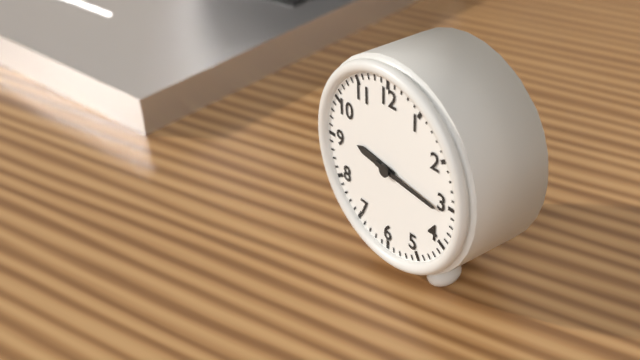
**9:16**
